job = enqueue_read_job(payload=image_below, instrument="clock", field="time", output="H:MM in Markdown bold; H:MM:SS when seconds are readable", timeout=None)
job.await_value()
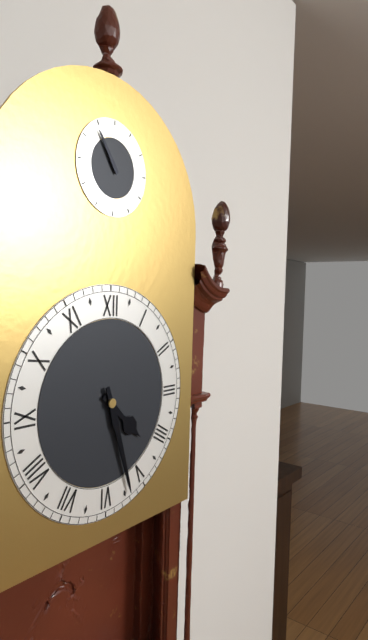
**4:27**
